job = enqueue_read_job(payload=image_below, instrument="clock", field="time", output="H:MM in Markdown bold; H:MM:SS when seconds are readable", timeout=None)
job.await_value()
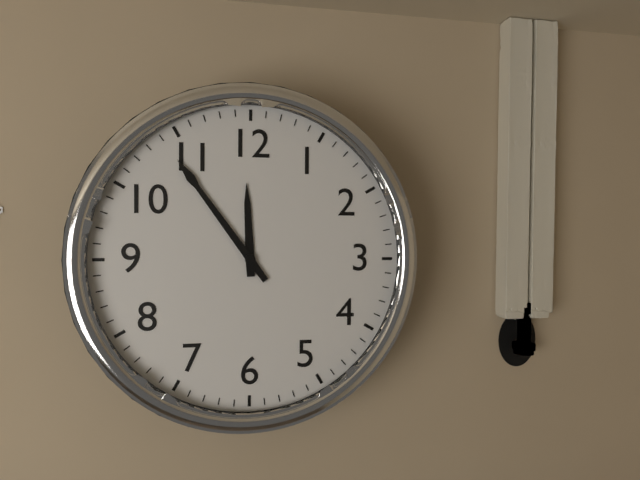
**11:54**
